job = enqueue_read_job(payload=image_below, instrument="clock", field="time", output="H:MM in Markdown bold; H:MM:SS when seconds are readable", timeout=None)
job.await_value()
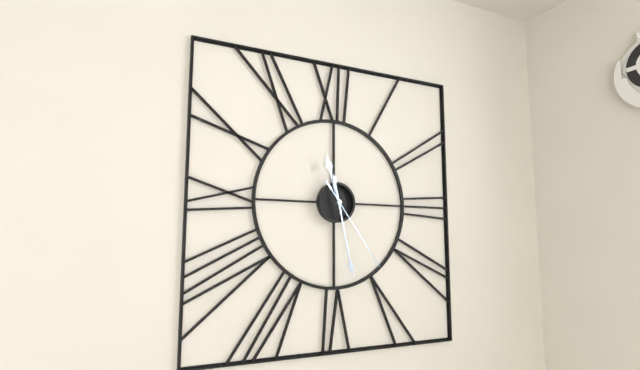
**11:28:24**
